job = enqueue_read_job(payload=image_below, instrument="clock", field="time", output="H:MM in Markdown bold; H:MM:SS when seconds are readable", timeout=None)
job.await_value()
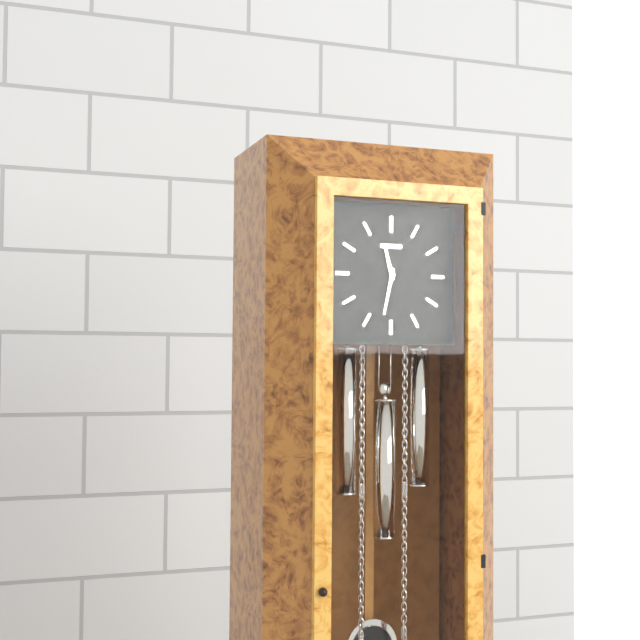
**11:32**
